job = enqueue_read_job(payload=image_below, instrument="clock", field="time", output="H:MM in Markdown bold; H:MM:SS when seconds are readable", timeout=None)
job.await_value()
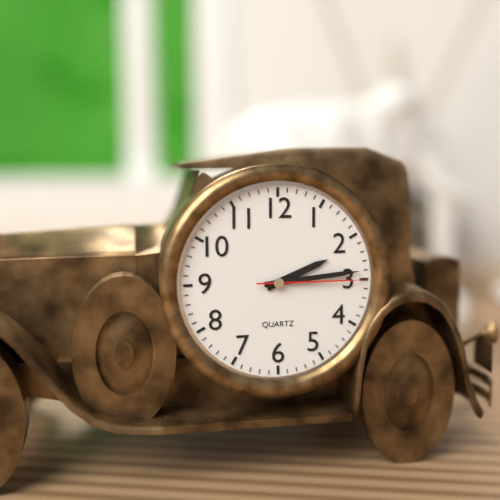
**2:14:15**
